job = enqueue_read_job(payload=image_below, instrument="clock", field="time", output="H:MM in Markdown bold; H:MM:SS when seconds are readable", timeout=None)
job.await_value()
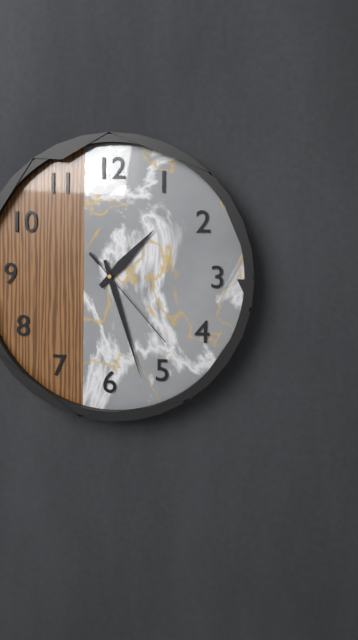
**1:27:23**
